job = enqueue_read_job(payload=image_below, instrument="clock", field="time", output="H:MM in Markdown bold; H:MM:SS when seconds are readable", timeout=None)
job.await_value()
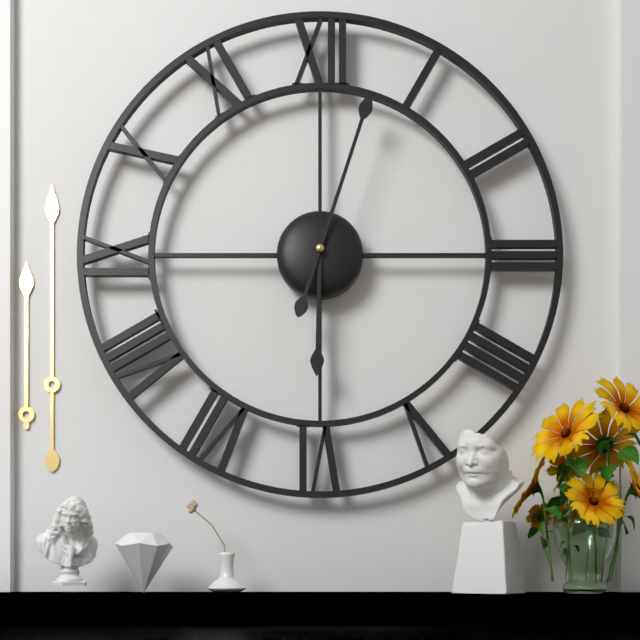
**6:03**
